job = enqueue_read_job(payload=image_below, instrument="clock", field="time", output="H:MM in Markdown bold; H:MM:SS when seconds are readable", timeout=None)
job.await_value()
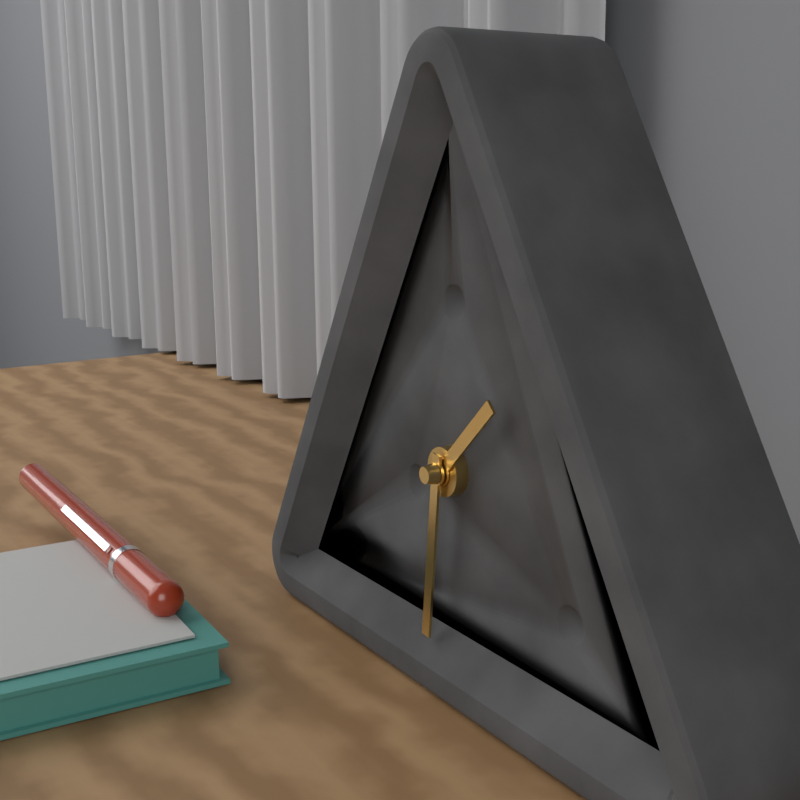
**1:31**
